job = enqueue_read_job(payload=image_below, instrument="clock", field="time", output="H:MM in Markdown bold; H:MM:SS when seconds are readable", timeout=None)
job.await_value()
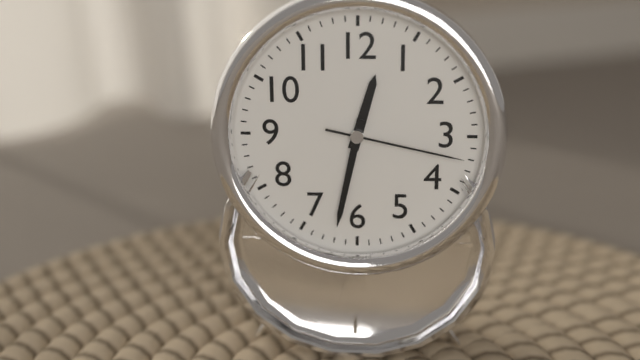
**12:32:17**
